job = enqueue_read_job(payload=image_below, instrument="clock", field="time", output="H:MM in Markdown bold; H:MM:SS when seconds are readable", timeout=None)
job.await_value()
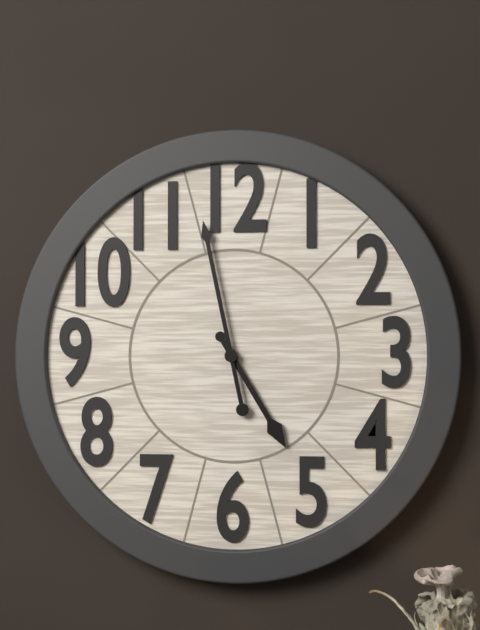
**4:58**
